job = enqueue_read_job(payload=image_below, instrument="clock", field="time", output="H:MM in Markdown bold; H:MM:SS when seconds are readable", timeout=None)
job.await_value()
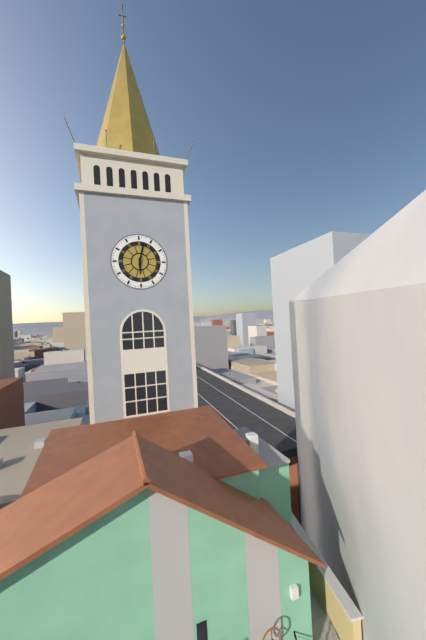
**6:02**
